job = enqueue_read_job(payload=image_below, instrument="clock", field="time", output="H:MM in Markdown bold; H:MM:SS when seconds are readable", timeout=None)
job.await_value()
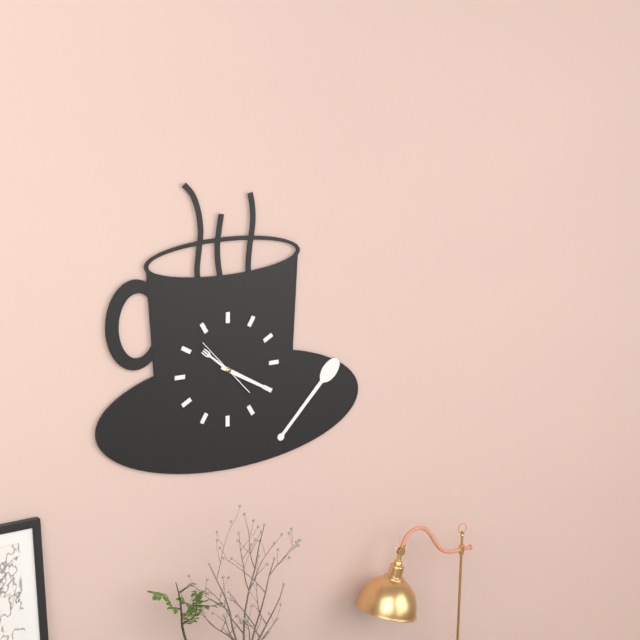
**10:20**
